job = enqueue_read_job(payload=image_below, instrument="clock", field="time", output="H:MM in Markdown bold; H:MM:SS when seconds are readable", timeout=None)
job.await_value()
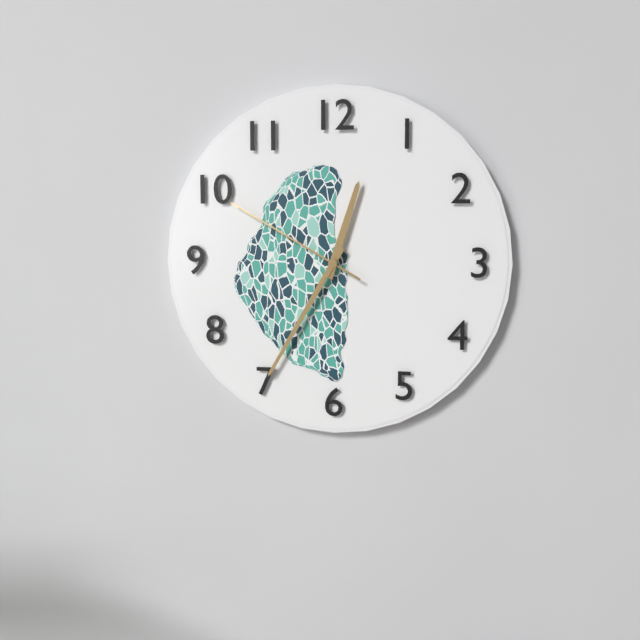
**12:35:50**
